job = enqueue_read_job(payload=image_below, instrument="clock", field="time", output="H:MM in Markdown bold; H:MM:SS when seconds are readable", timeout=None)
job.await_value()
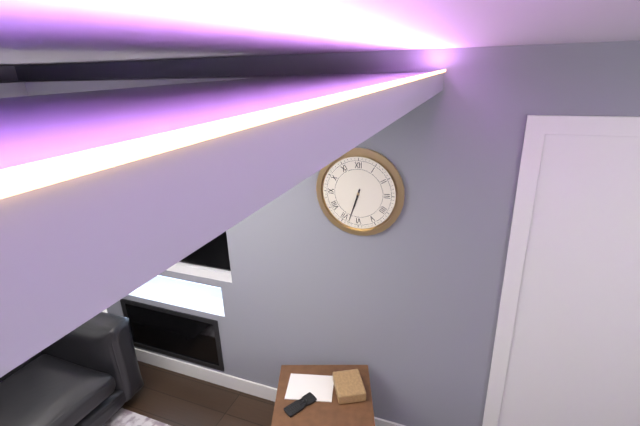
**6:33**
